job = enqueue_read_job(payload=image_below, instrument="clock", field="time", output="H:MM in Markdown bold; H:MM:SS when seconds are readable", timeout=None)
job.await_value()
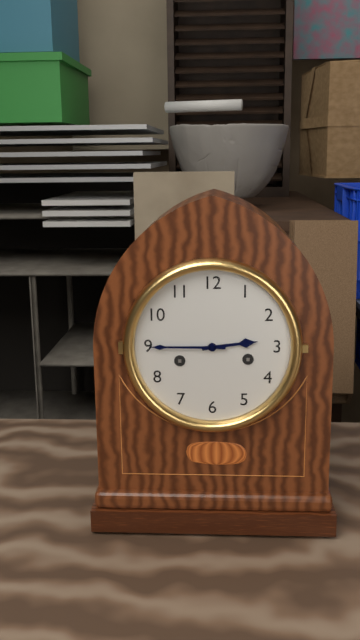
**2:45**
